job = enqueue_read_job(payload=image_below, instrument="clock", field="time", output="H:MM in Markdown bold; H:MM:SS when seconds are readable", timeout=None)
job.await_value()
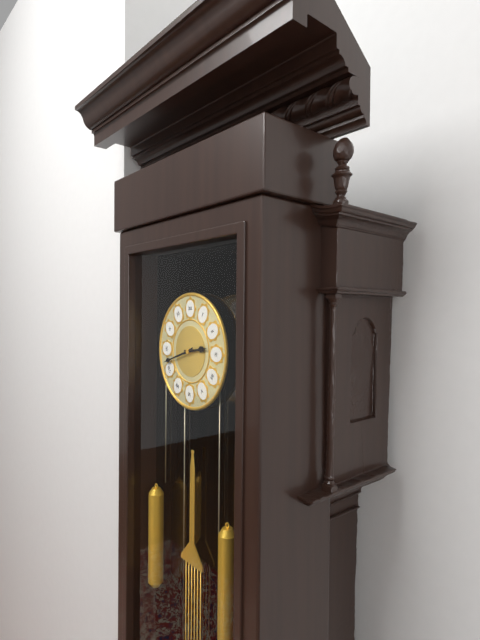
**2:42**
